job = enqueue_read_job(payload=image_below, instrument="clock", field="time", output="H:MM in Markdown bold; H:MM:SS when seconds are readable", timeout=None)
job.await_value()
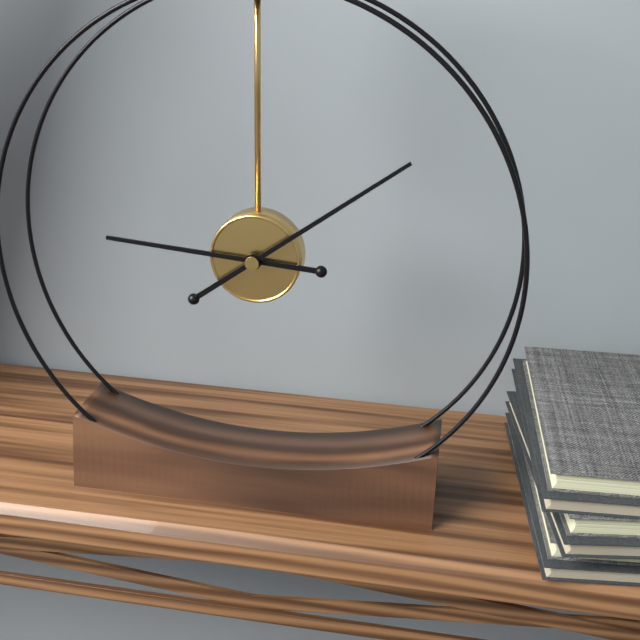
**9:09**
